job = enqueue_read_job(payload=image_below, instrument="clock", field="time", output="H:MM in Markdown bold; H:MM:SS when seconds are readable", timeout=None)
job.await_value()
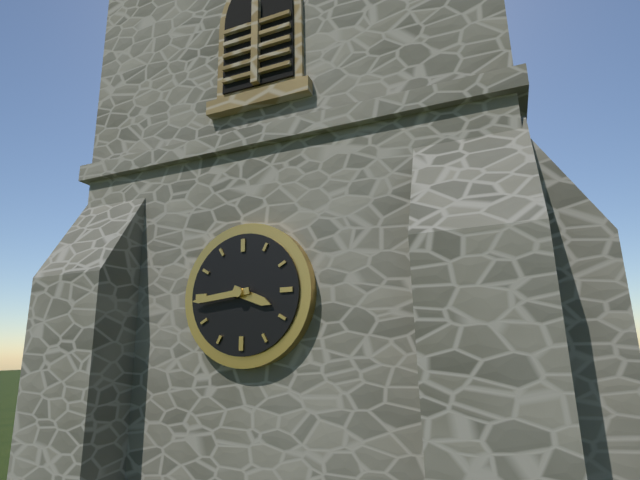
**3:44**
